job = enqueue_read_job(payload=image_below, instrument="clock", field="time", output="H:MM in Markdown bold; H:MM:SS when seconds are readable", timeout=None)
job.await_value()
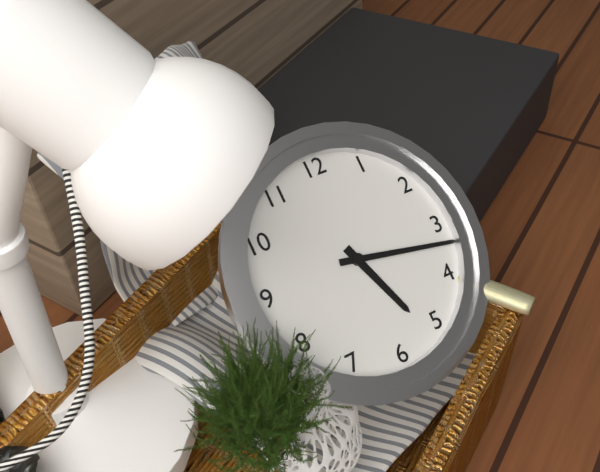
**5:17**
